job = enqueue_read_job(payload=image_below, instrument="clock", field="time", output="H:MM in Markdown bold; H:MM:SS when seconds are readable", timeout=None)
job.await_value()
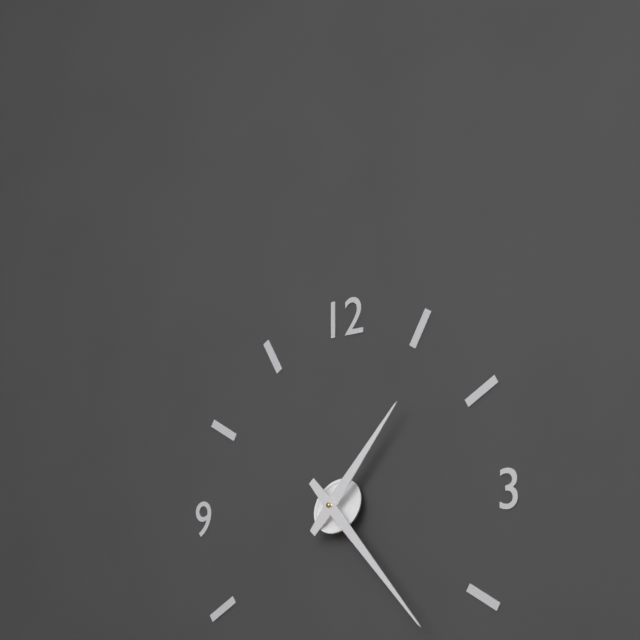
**1:23**
